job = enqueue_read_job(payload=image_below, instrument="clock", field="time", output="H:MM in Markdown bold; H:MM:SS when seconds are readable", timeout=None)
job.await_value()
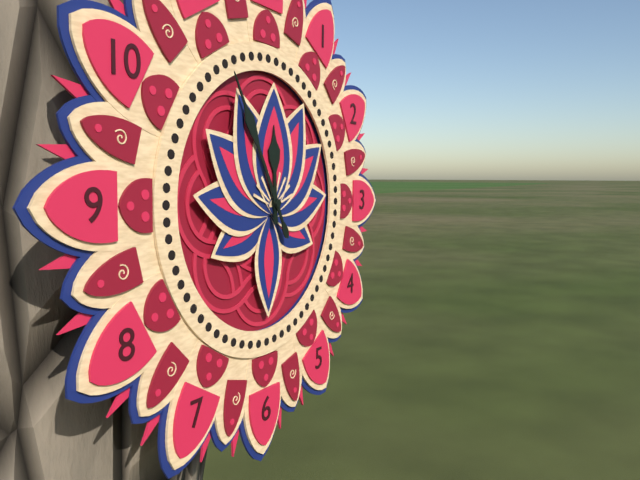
**11:55**
